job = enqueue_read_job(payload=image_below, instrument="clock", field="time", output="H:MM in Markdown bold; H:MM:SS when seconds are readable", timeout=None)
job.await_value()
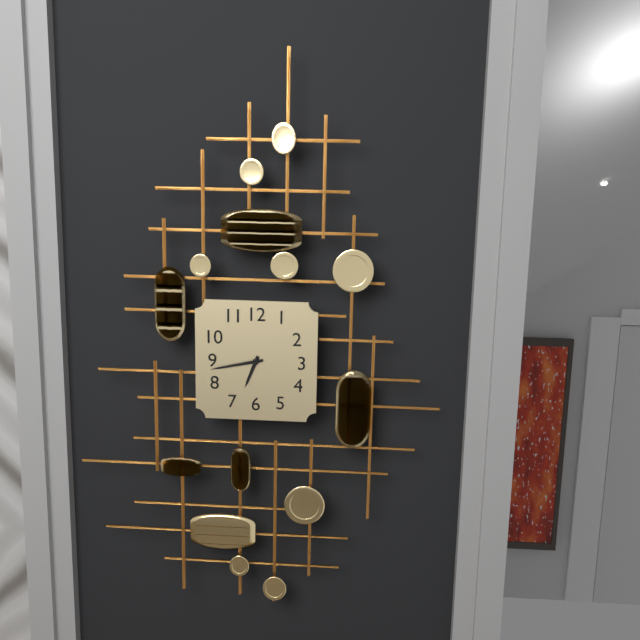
**6:43**
